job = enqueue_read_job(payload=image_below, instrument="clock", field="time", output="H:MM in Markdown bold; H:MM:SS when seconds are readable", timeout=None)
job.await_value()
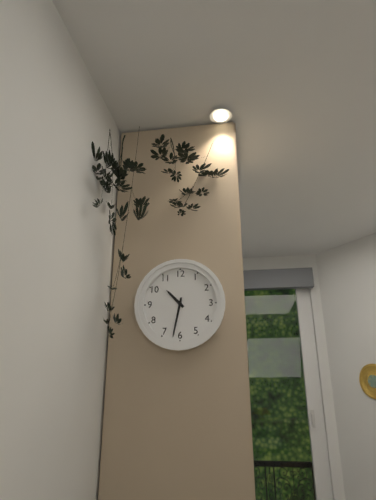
**10:32**
